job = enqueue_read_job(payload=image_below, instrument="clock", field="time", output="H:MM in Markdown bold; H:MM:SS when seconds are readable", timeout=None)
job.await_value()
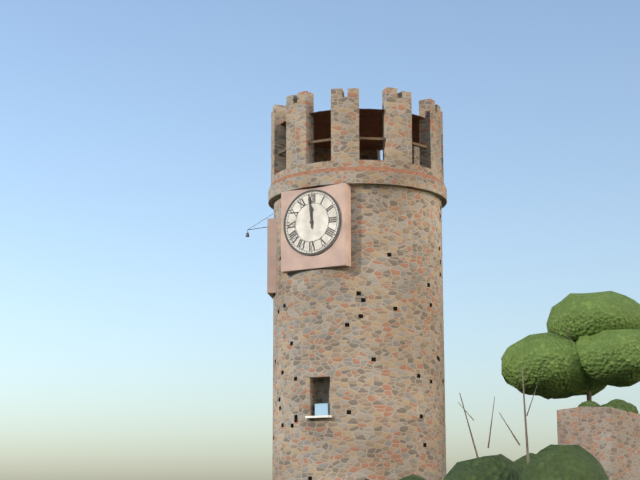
**11:59**
